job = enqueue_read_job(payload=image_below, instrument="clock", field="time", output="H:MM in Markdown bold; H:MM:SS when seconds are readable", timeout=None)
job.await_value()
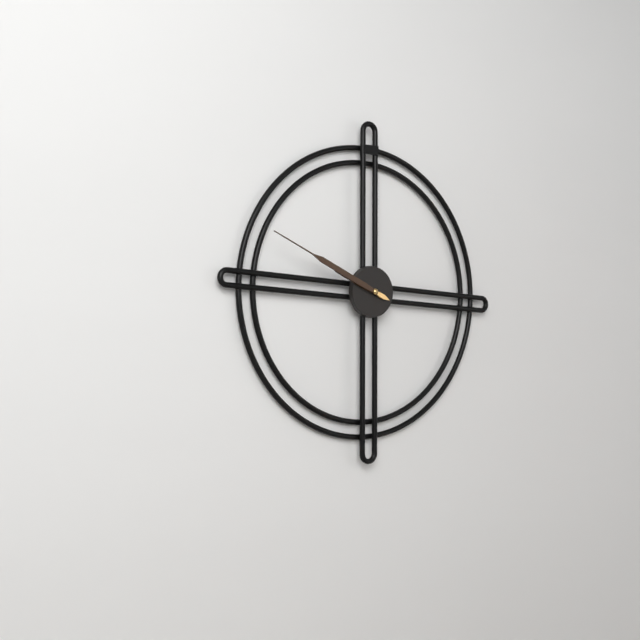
**9:49**
